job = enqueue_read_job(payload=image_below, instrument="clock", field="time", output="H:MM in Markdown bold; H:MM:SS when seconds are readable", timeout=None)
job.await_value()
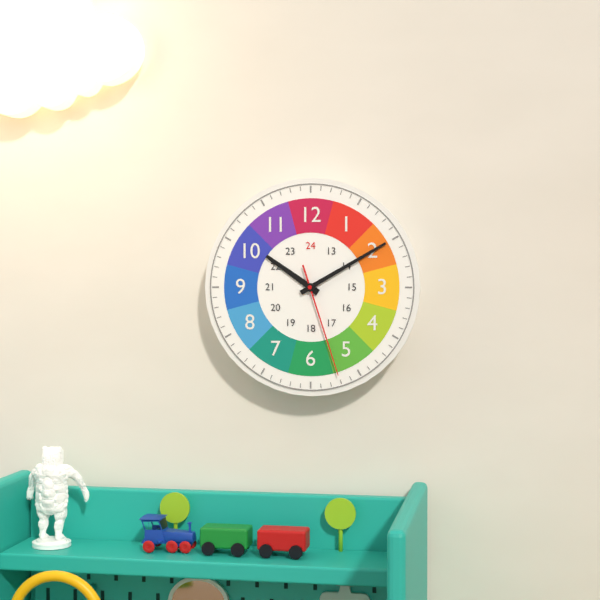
**10:10:27**
